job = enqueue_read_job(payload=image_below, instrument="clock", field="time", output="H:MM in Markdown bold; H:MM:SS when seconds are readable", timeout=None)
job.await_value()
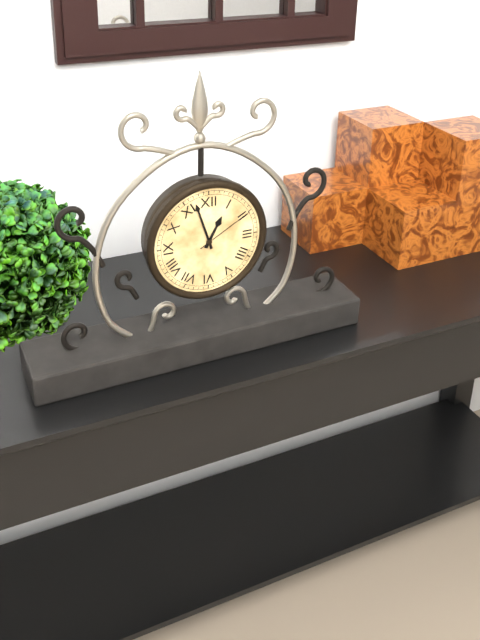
**12:57:10**
